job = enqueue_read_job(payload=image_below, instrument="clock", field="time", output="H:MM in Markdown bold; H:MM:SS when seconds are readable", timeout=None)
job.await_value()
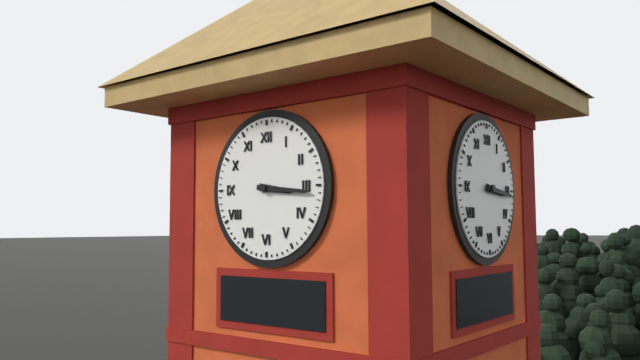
**3:16**
